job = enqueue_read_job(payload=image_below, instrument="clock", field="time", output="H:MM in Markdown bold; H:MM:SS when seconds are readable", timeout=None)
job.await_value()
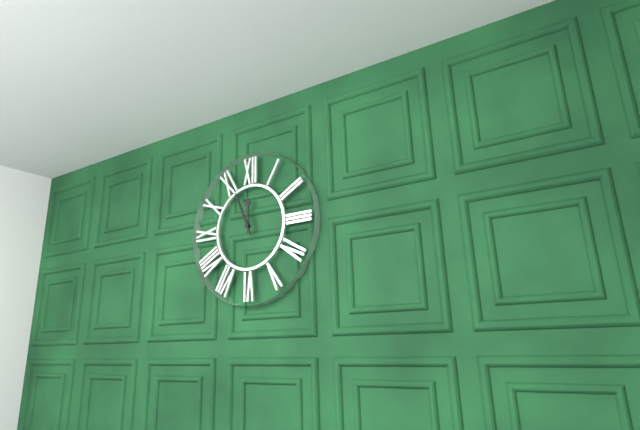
**11:56**
